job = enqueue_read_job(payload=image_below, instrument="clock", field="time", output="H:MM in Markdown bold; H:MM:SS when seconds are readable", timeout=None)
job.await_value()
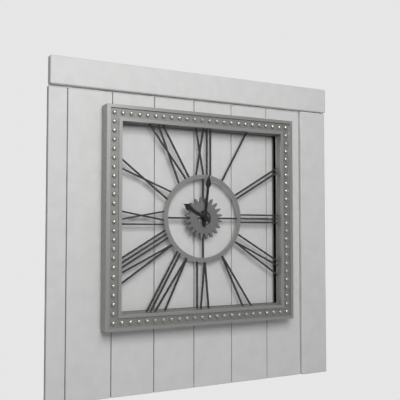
**10:01**
